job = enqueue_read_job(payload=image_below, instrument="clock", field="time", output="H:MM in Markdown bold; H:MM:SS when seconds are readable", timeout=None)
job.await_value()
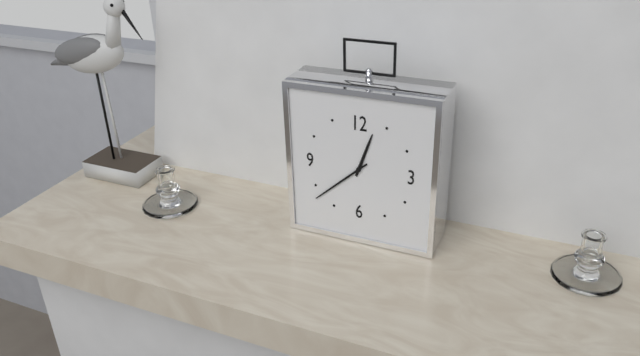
**12:38**
